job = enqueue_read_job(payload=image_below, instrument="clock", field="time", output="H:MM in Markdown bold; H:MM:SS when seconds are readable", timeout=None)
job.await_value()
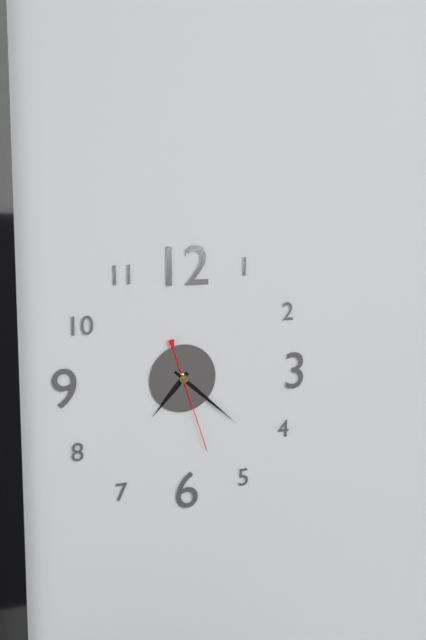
**7:22:27**
